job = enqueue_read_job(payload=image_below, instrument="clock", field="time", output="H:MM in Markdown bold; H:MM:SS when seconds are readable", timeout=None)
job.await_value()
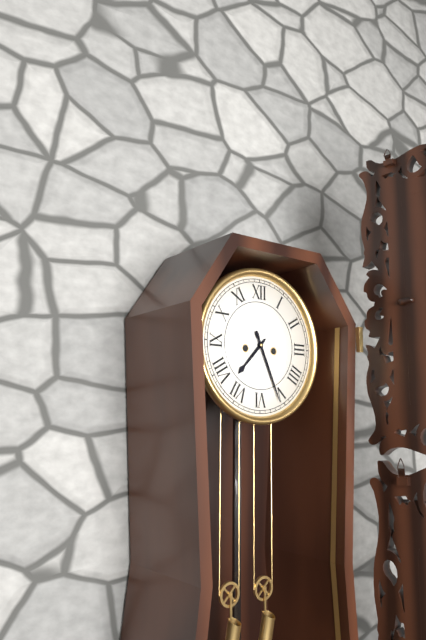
**7:26**
